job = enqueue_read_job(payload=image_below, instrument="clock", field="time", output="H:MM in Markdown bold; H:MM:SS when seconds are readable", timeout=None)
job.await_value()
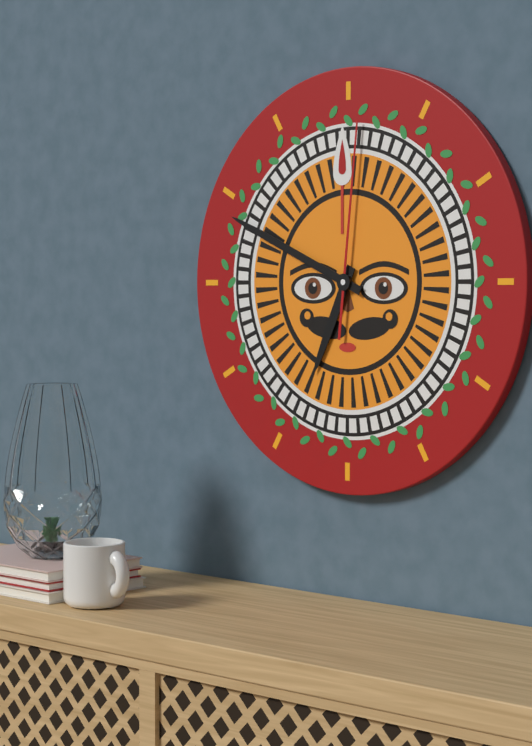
**6:49:01**
